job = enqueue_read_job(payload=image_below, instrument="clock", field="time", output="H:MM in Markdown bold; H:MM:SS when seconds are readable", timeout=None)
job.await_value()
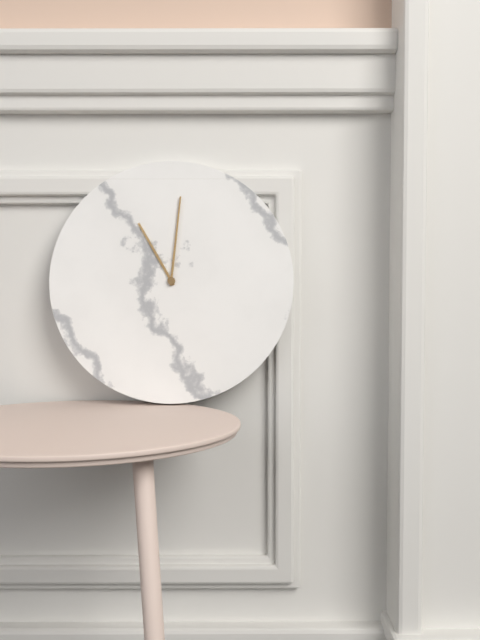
**11:01**
